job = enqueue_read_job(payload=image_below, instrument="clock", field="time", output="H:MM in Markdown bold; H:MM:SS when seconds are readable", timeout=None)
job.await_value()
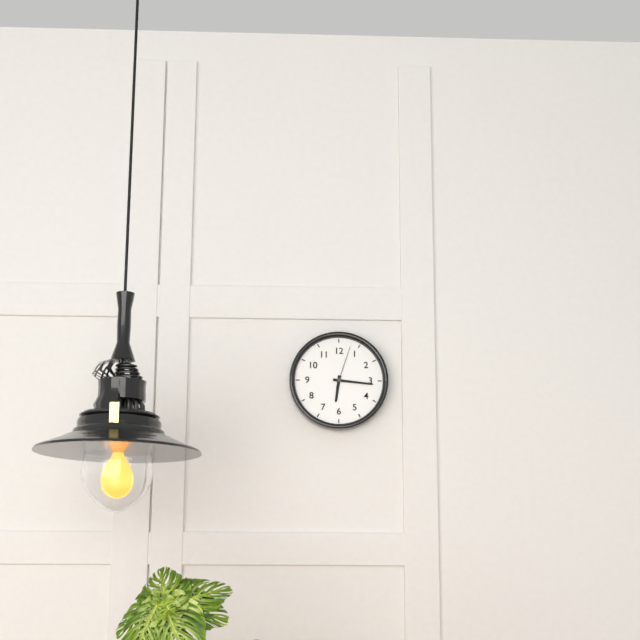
**6:16**
